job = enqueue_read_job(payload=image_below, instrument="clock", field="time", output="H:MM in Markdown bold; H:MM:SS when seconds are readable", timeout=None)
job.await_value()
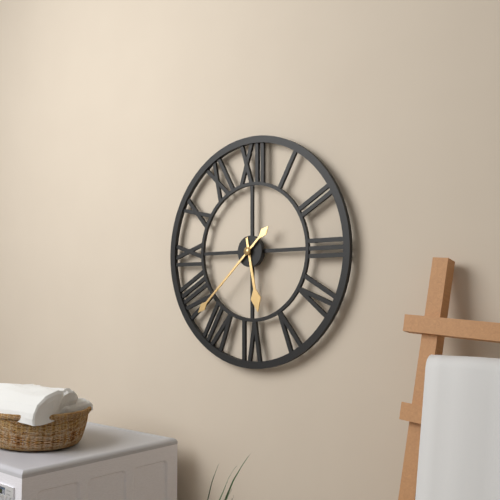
**5:38**
